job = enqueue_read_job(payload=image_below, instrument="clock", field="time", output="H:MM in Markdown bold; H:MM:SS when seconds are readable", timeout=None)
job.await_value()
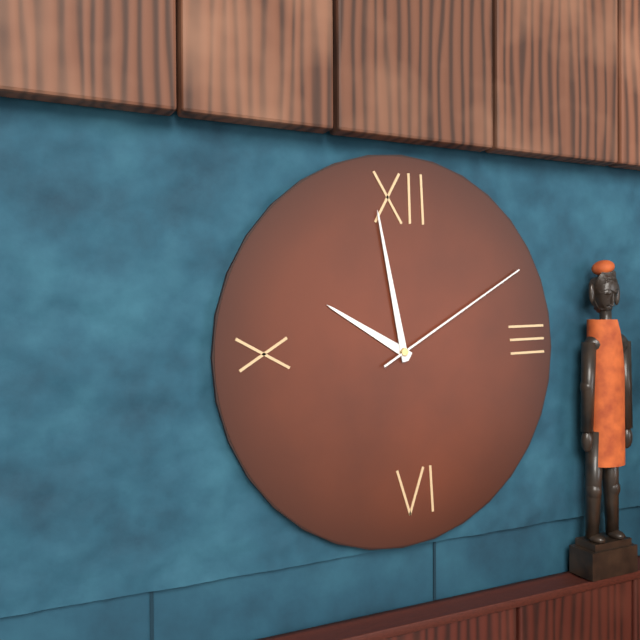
**9:58:10**
